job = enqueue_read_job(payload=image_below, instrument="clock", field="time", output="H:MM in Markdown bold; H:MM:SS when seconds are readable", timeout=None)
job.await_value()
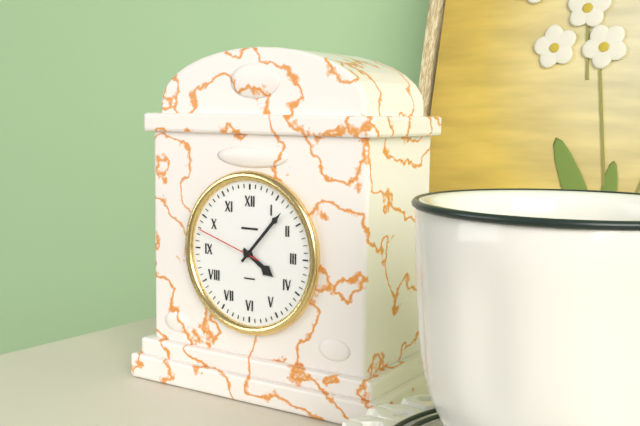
**4:07:48**
